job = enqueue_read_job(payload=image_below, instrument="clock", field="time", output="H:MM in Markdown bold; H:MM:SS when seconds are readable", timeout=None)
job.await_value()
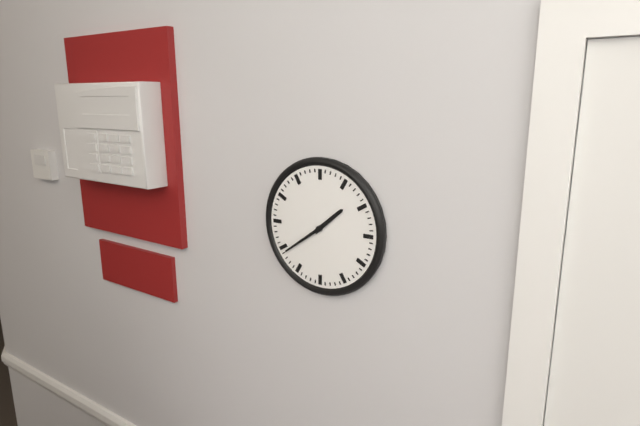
**1:39**
